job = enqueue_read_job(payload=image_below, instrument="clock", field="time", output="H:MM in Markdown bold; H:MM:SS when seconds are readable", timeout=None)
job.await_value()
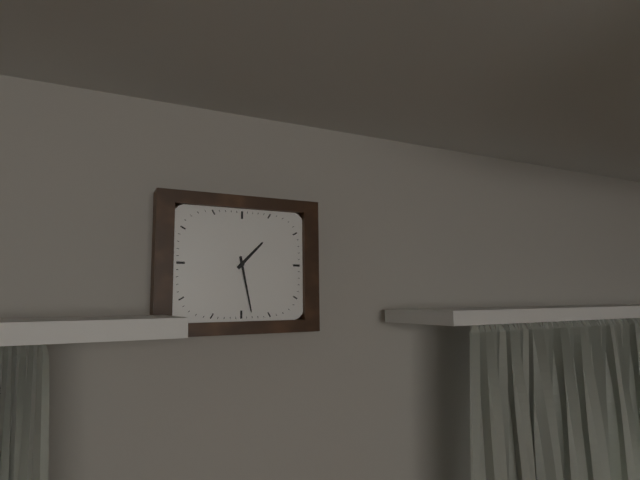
**1:28**
